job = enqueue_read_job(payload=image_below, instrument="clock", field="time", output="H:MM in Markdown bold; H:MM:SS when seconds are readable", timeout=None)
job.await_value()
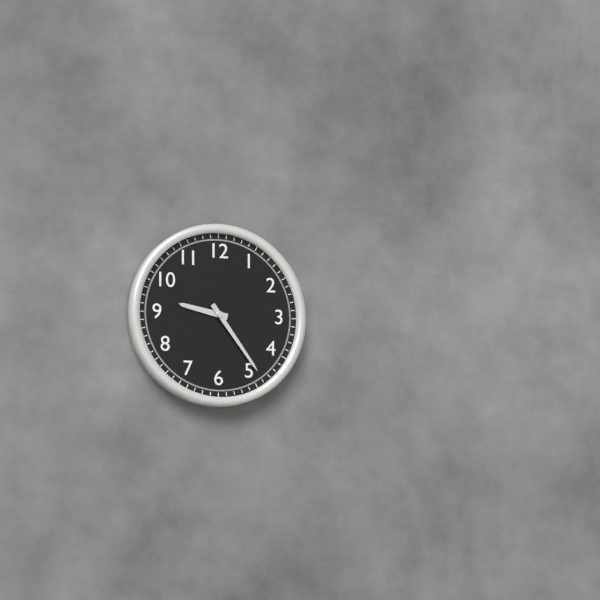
**9:24**
